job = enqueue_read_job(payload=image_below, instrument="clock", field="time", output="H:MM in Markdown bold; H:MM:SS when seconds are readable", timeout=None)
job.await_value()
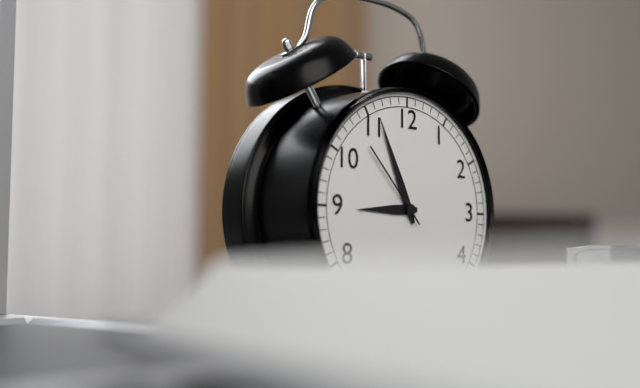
**8:56:53**
